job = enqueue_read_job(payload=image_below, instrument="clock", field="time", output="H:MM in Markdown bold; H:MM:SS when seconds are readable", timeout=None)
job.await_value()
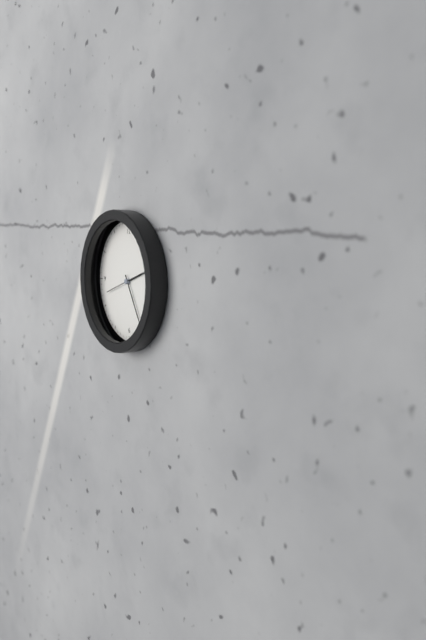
**2:25**
